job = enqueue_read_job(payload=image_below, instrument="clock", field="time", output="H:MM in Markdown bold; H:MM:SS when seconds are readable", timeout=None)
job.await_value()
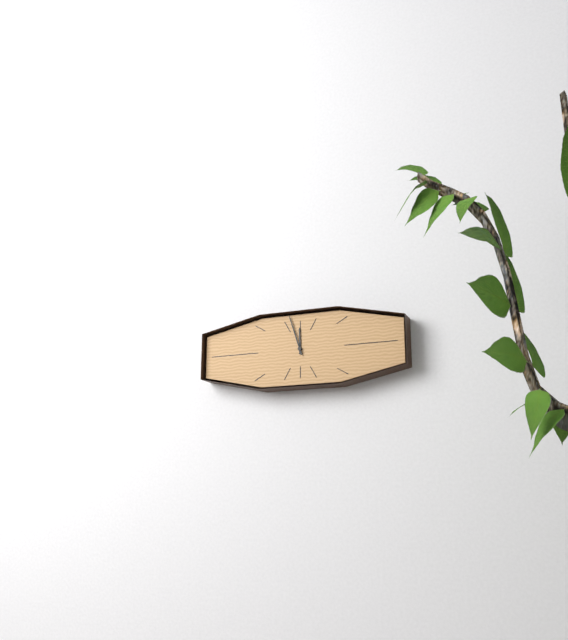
**11:57**
